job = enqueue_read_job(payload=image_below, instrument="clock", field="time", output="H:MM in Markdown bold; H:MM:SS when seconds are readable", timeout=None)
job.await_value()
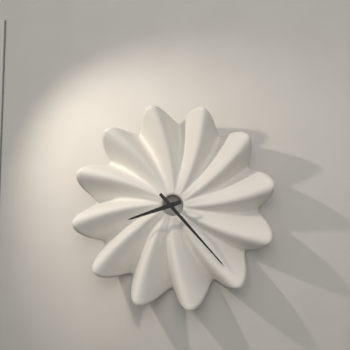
**8:23**
